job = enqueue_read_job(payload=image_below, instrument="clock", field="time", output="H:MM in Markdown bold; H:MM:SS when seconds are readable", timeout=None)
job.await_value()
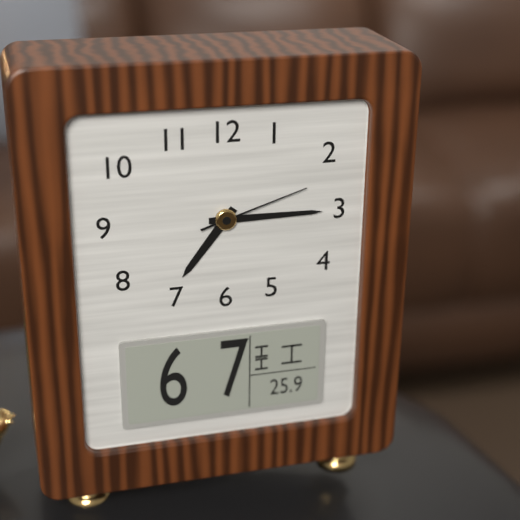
**7:15:12**
